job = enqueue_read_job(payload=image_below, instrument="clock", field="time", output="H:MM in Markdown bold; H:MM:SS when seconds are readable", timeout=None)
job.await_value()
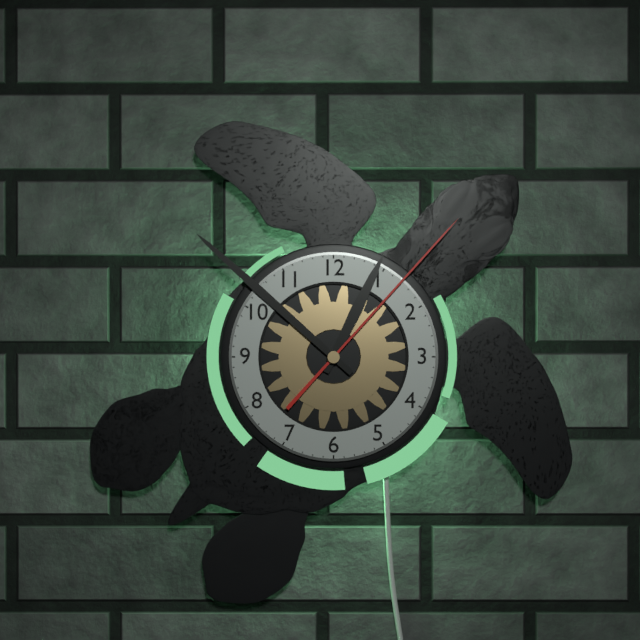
**12:52:07**
